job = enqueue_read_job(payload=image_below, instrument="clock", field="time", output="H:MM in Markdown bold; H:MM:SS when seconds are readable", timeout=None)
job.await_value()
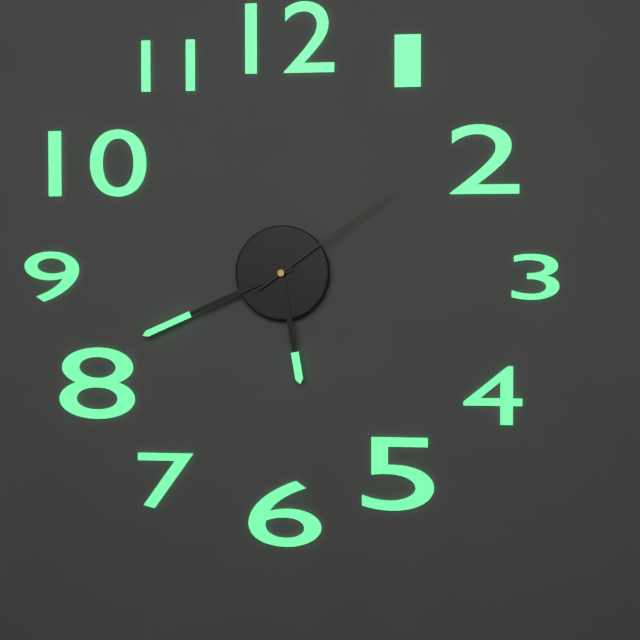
**5:41:09**
